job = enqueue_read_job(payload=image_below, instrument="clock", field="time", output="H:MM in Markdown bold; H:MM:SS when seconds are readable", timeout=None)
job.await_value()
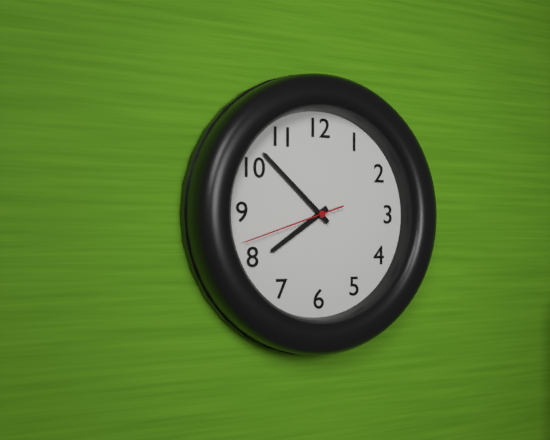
**7:52:42**
